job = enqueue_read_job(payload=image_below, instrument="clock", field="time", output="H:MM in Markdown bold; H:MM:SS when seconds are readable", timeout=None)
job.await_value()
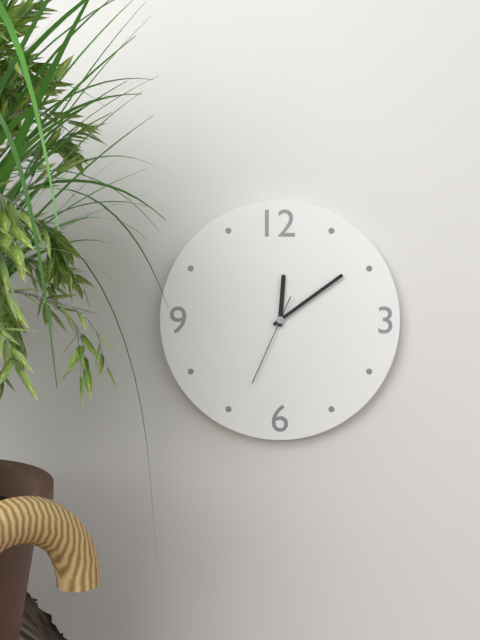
**12:09:34**
